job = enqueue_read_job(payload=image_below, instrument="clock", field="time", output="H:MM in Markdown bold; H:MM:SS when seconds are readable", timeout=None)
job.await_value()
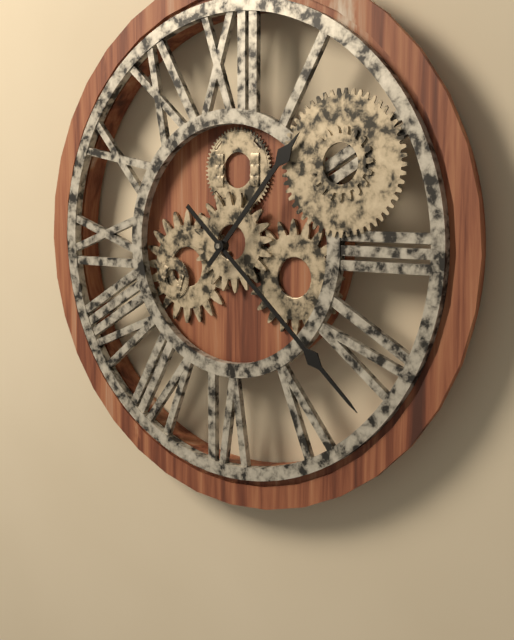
**1:22**
